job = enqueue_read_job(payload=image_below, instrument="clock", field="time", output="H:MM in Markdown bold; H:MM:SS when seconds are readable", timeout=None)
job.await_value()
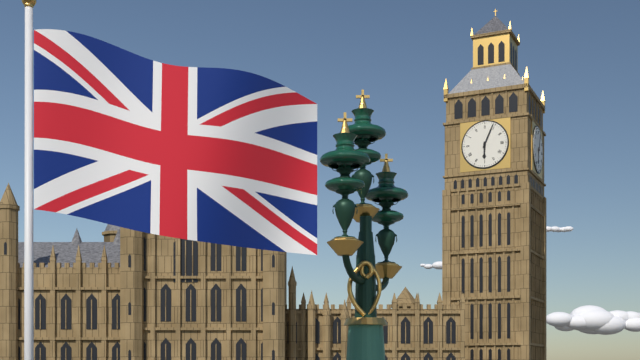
**6:04**
